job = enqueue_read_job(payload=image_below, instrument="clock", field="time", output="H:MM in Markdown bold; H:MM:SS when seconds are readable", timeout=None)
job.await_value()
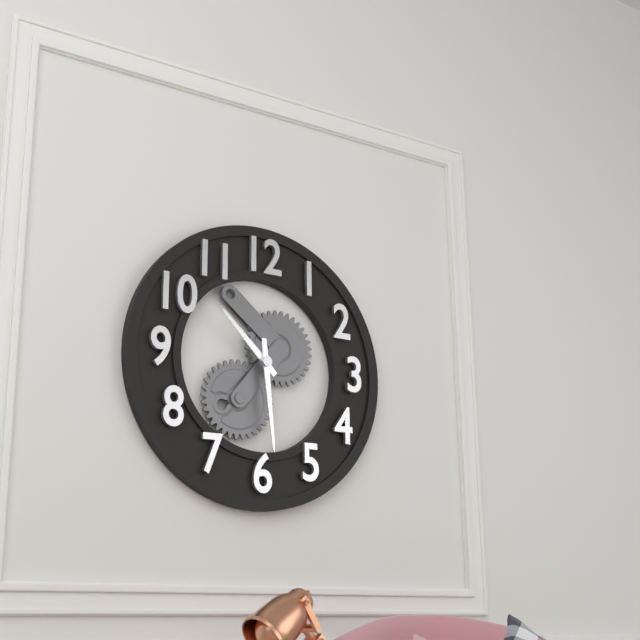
**10:29**
